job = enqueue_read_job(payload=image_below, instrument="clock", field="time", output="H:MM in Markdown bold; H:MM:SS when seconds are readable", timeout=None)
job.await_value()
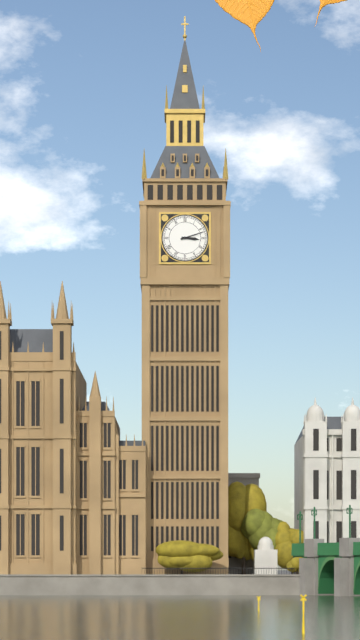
**3:12**
